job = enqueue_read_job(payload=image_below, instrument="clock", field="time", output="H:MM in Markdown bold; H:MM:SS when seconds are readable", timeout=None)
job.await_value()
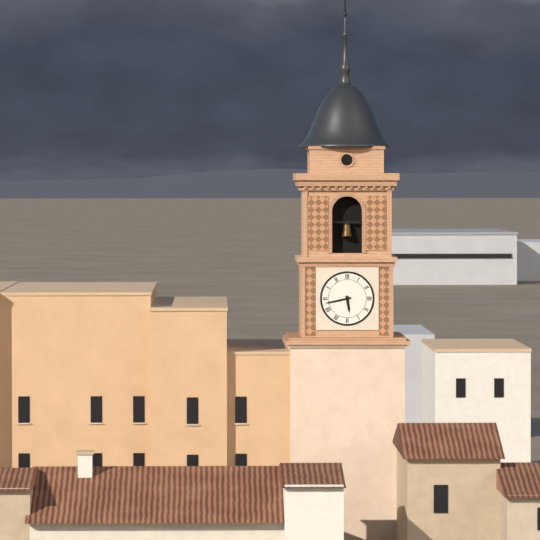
**5:43**
